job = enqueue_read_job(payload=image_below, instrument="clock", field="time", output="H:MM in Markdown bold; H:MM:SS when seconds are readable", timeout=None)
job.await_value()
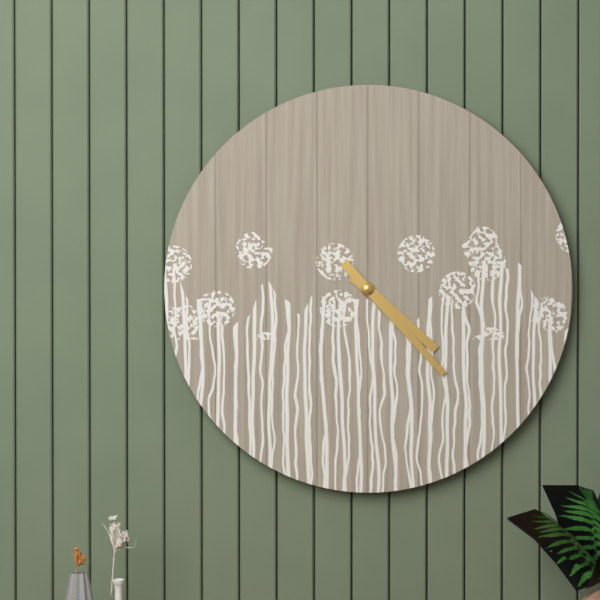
**4:23**
